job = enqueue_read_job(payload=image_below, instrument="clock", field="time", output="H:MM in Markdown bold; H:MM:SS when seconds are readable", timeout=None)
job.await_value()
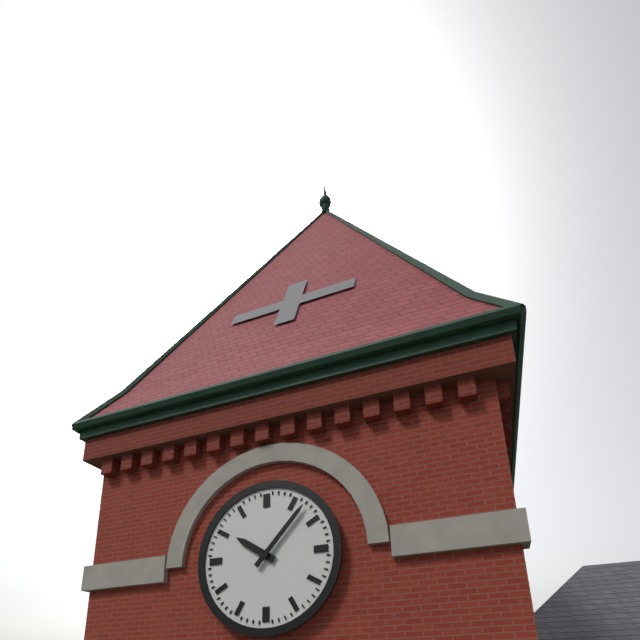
**10:07**
